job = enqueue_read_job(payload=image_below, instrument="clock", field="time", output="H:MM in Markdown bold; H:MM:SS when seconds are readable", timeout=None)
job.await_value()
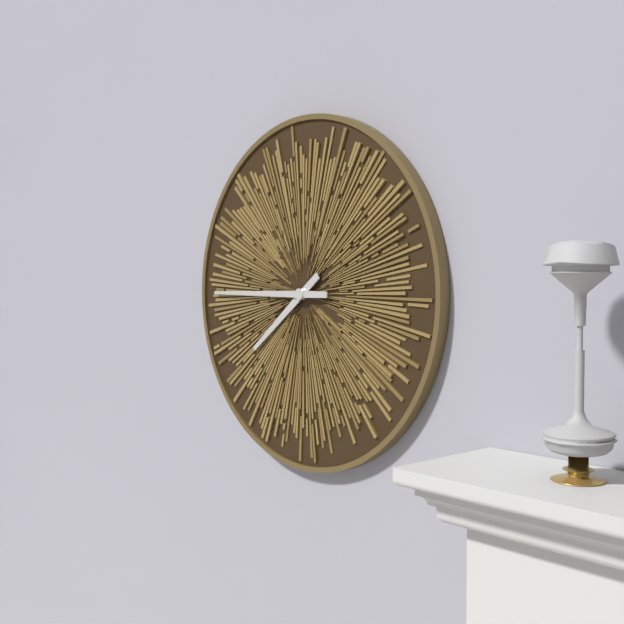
**7:45**
